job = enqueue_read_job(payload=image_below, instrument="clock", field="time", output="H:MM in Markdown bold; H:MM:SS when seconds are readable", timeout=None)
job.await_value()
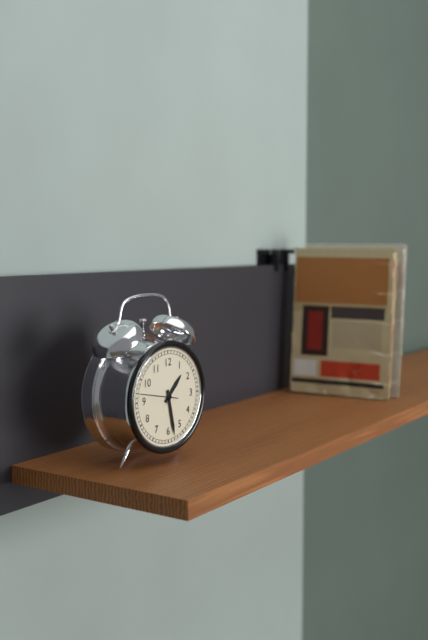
**1:28**
